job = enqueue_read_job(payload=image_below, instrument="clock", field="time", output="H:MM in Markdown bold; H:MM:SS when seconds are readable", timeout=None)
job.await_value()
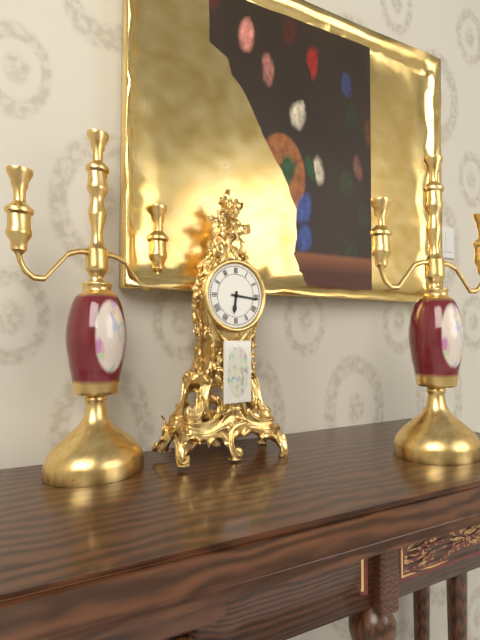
**6:16**
